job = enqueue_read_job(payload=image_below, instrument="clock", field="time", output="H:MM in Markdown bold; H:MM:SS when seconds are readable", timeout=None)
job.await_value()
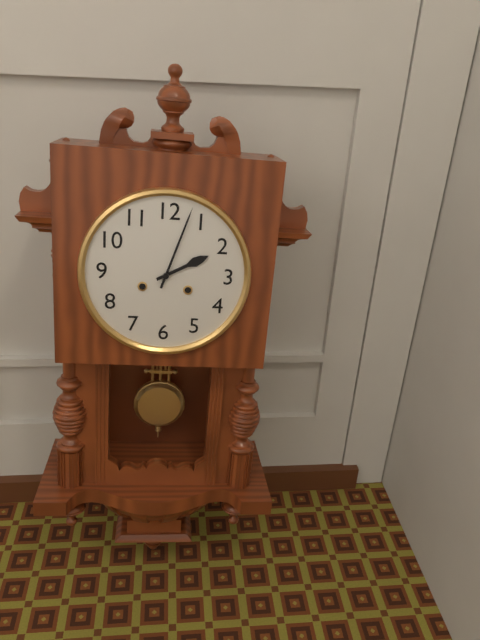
**2:03**
